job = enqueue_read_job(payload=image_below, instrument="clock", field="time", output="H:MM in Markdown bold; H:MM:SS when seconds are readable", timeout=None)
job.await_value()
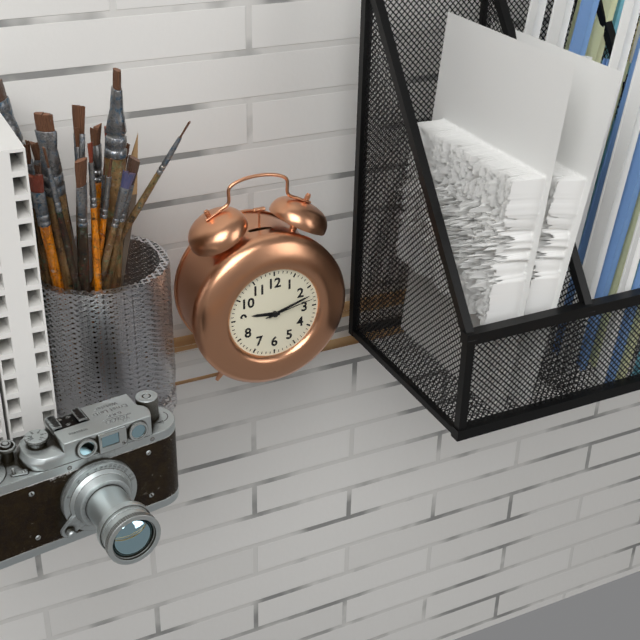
**9:12:13**
